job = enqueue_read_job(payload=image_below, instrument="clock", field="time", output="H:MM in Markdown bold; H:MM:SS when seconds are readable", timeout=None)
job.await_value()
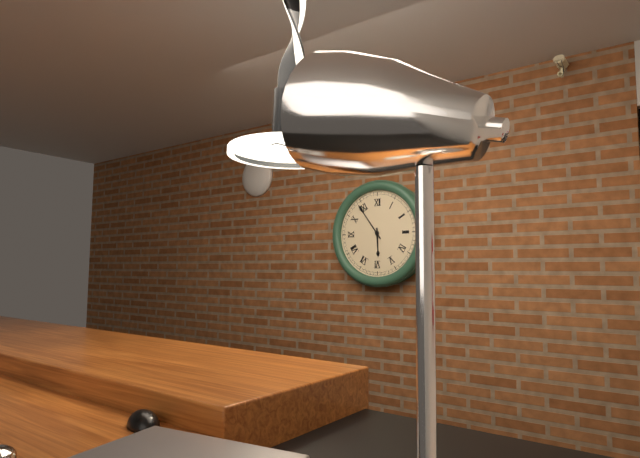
**5:54**
